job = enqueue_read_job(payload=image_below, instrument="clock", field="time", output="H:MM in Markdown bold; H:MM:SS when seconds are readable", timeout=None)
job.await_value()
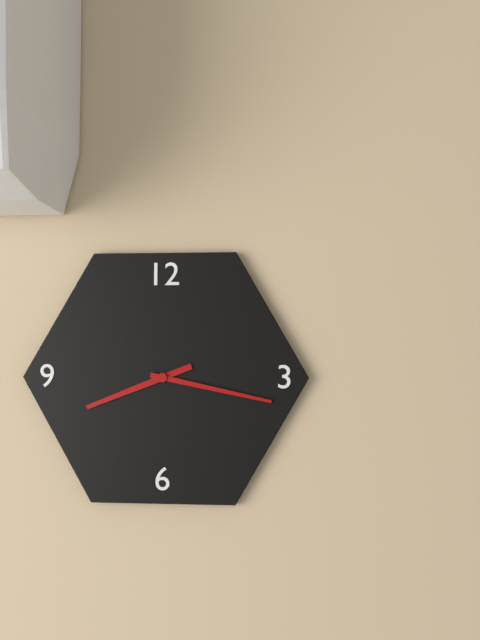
**8:17**
